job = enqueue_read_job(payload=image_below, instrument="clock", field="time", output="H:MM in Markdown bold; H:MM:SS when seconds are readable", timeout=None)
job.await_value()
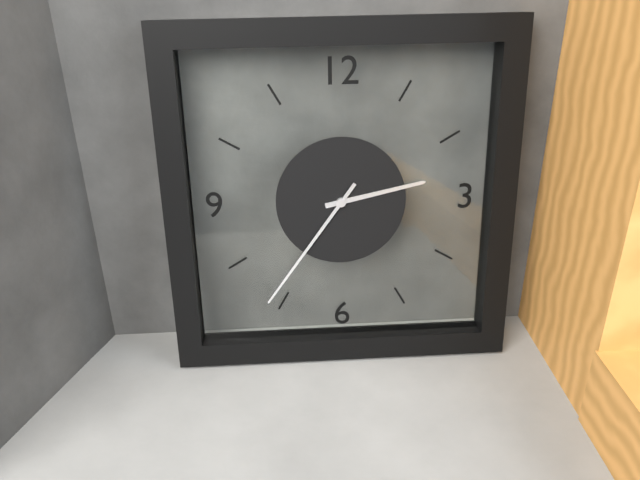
**2:36**
